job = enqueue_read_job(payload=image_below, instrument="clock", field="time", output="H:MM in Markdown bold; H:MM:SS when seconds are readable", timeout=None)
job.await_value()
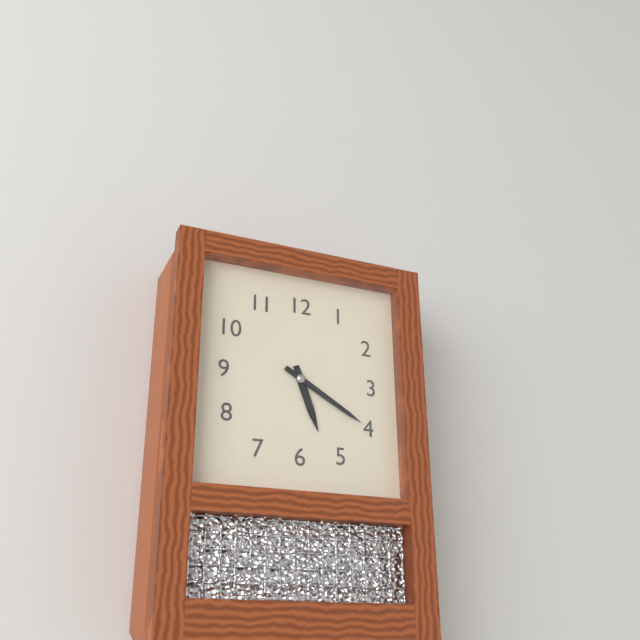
**5:20**
